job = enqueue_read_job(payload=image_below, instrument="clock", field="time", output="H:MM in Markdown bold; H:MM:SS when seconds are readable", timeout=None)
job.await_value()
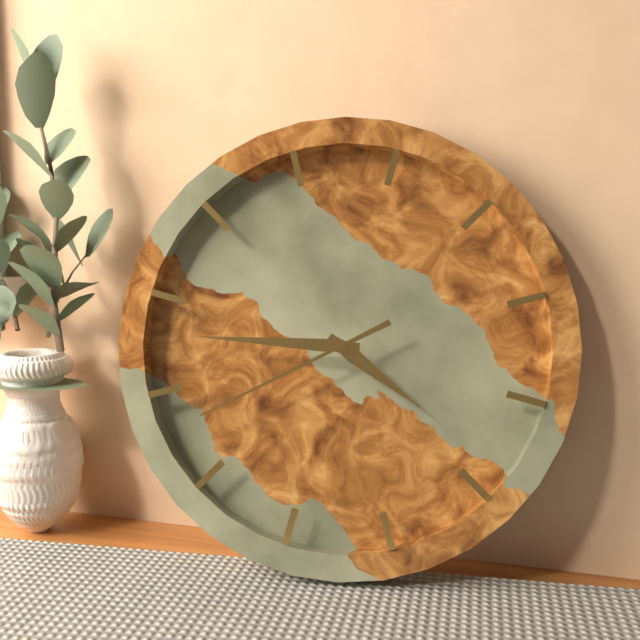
**3:43:38**
